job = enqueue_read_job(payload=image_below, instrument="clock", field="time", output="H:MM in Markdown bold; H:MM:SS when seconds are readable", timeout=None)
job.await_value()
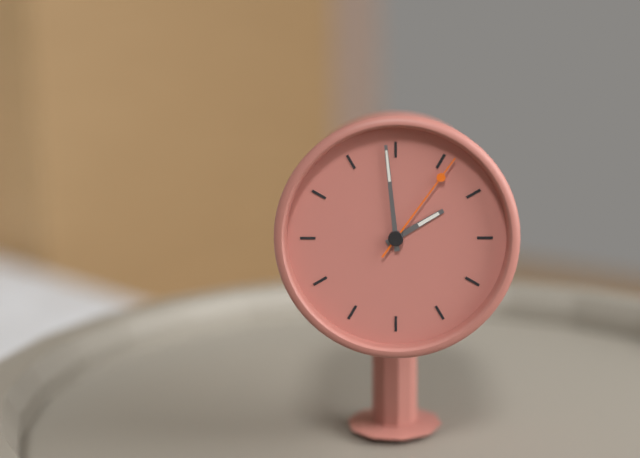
**1:59:06**
